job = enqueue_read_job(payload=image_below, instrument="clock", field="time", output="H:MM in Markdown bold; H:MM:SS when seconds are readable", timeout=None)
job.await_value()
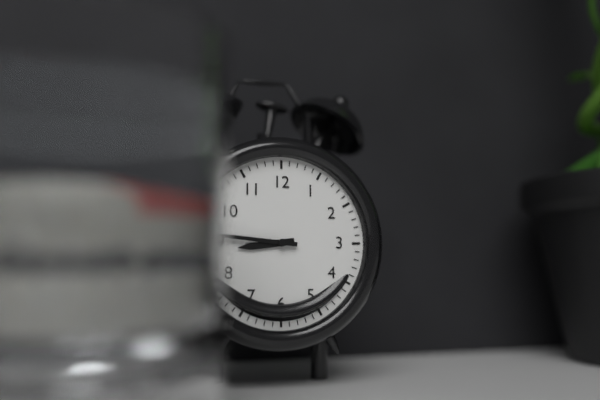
**8:46**
